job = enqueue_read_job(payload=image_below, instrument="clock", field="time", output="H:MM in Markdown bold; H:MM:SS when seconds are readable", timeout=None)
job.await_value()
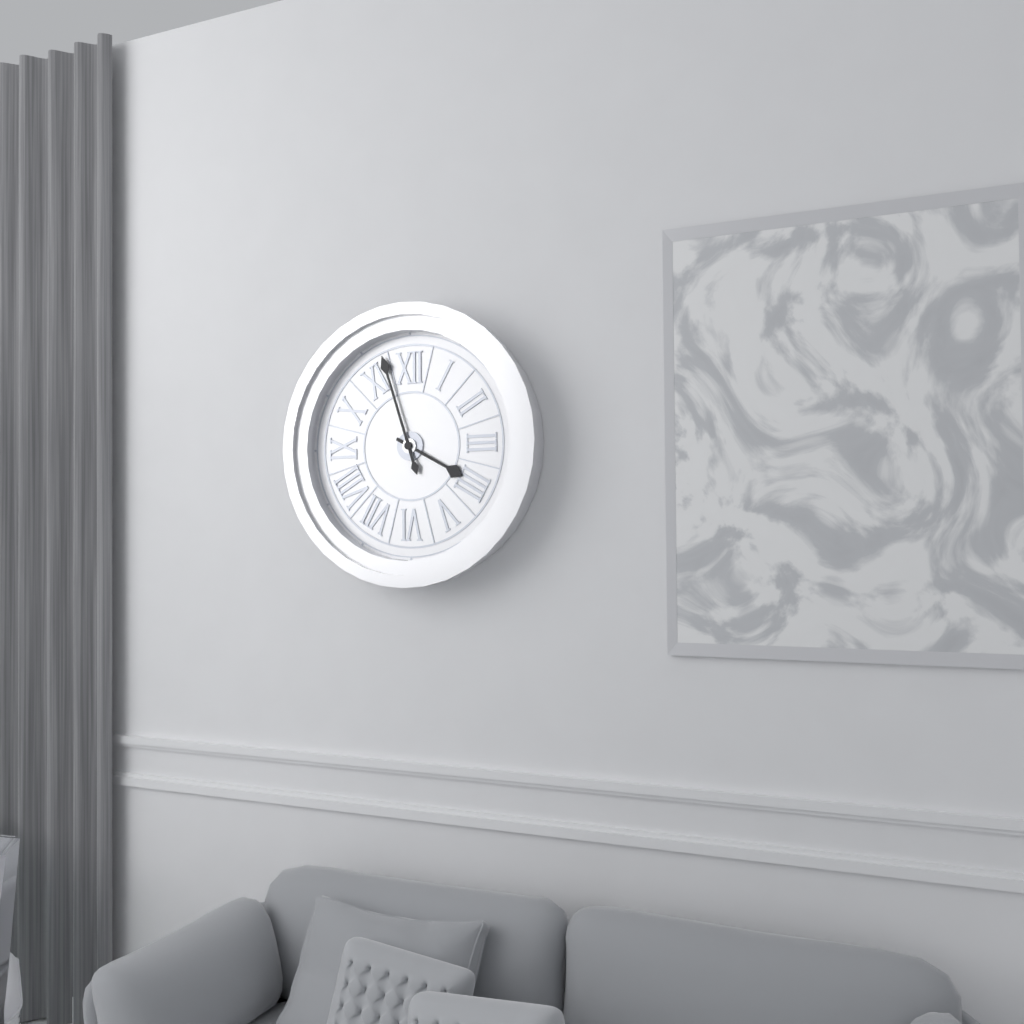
**3:57**
